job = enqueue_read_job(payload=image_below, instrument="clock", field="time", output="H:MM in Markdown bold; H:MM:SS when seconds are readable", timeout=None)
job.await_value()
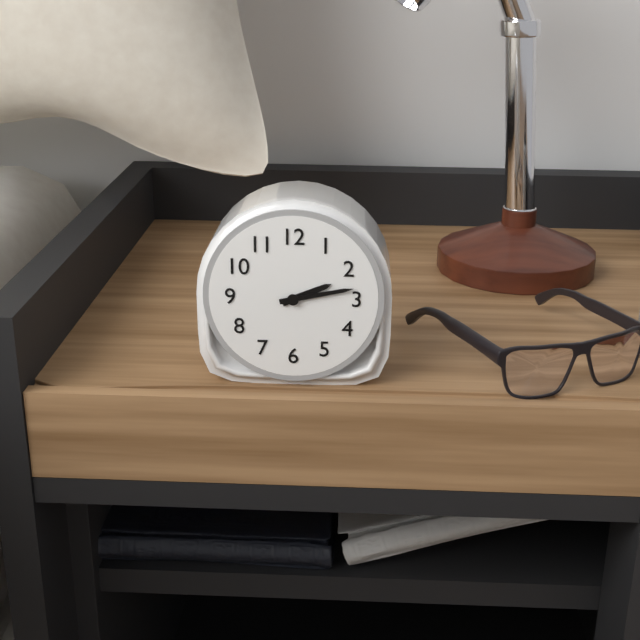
**2:13**
